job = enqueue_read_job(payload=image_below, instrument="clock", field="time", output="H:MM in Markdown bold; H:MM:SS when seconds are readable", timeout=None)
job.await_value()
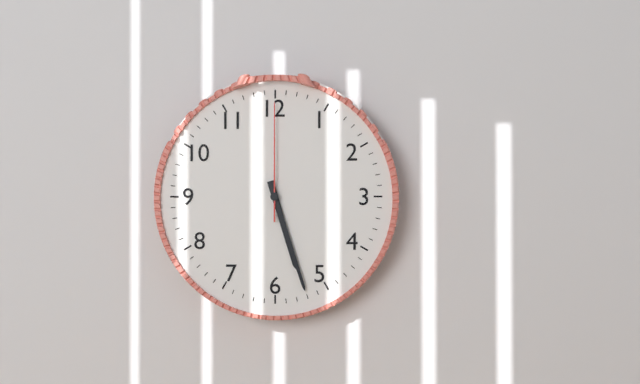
**5:27:00**
